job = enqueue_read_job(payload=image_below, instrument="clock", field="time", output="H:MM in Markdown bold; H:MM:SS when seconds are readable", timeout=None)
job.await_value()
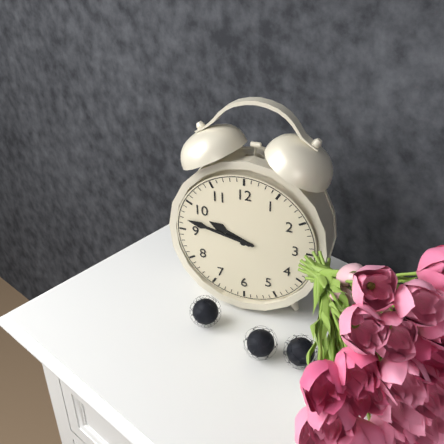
**9:47**
